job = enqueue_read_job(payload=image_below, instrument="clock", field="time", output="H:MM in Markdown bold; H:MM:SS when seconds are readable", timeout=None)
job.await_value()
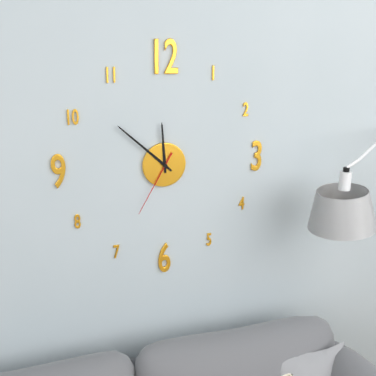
**11:52:35**
